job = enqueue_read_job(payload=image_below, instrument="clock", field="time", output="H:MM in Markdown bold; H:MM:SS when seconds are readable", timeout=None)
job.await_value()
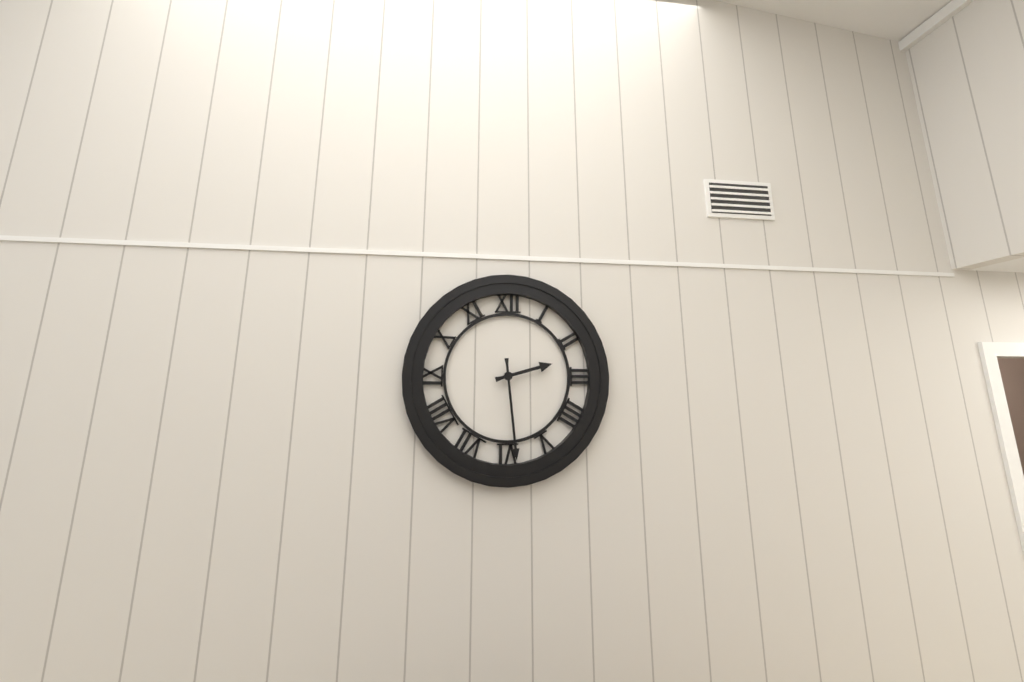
**2:29**
